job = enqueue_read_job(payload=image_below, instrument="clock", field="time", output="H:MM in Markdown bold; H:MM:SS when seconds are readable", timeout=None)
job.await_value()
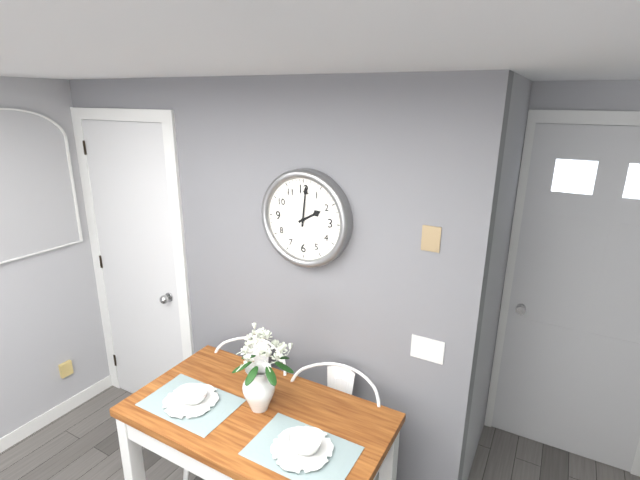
**2:01**
